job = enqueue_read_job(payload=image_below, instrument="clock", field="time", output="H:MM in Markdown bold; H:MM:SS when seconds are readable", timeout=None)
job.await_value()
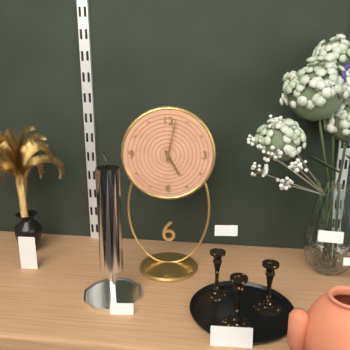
**5:02**
